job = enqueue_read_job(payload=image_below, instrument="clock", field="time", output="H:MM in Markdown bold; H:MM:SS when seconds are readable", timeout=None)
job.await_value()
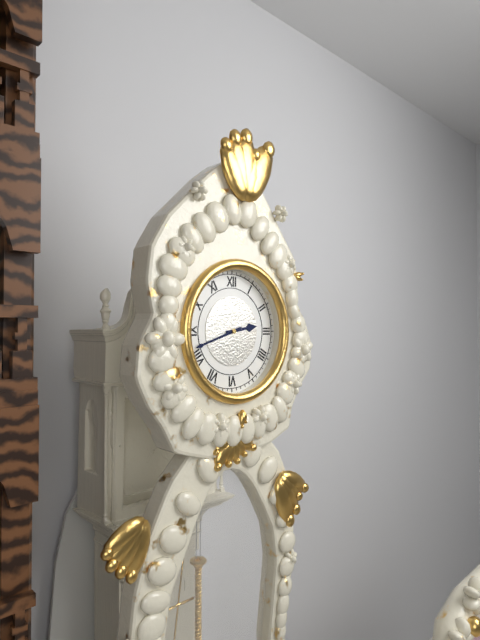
**2:42**
